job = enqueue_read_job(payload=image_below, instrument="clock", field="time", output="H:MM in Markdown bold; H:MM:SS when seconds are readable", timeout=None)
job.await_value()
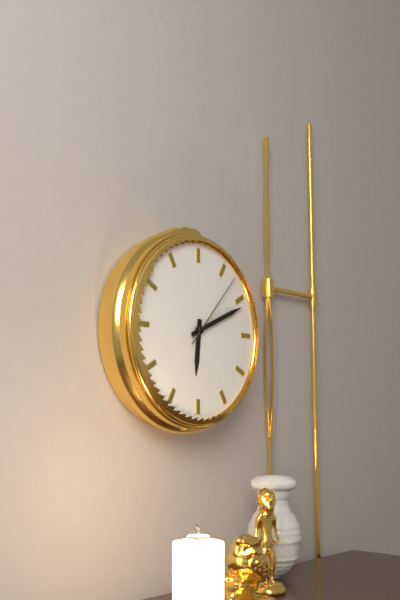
**6:11:07**
